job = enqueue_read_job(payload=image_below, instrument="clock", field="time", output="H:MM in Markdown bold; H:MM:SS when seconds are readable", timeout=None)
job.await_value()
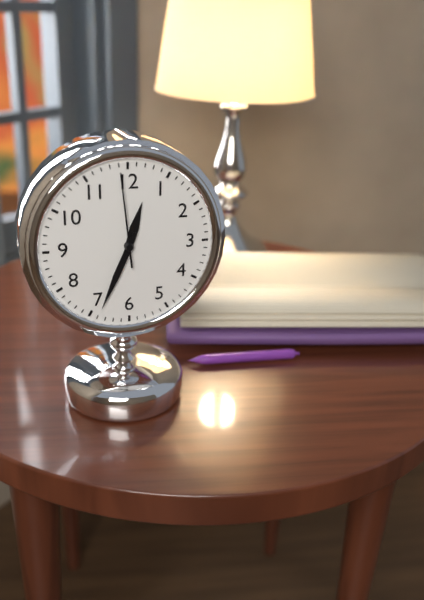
**12:34:59**
